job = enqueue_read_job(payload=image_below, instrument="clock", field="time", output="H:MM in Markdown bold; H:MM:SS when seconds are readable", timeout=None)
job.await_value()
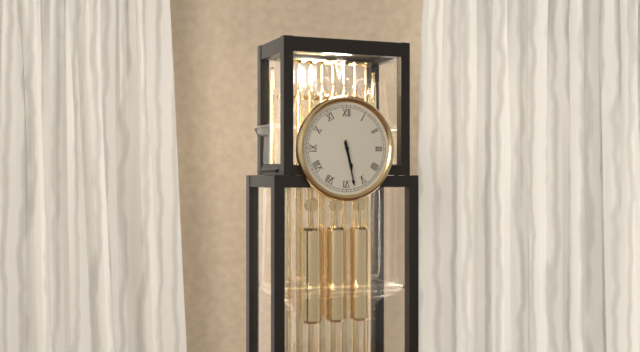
**5:28**
